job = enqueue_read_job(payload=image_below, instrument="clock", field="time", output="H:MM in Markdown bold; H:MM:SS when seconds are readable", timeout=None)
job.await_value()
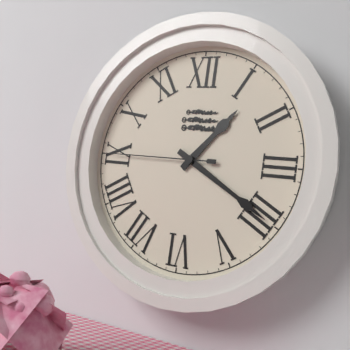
**1:20:45**
